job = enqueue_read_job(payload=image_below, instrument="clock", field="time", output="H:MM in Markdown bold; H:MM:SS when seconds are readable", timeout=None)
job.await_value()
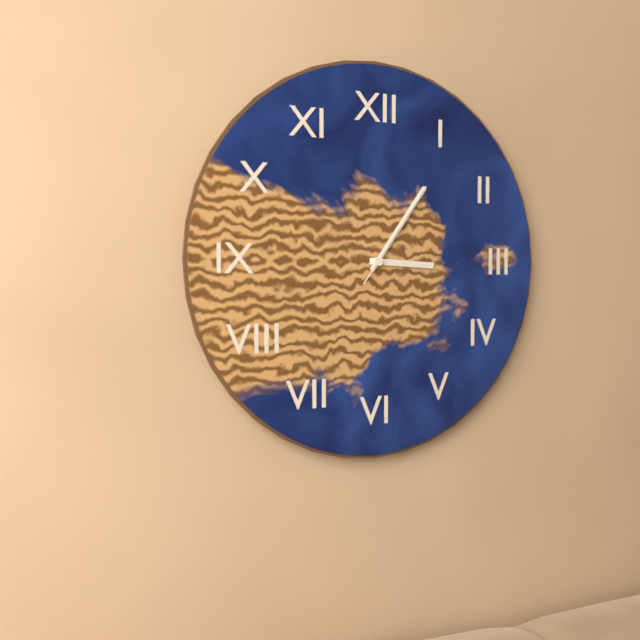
**3:06:06**
